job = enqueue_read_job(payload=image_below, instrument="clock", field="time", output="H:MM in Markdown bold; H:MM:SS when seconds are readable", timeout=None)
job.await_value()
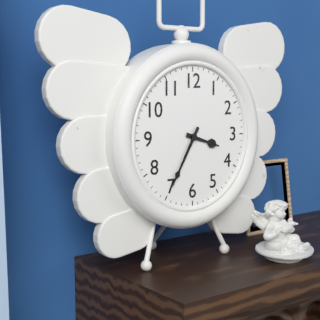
**3:35**
